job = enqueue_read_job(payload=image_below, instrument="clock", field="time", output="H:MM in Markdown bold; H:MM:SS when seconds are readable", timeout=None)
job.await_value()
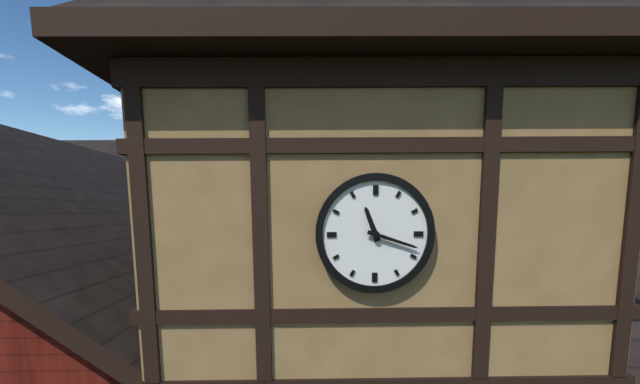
**11:18**
